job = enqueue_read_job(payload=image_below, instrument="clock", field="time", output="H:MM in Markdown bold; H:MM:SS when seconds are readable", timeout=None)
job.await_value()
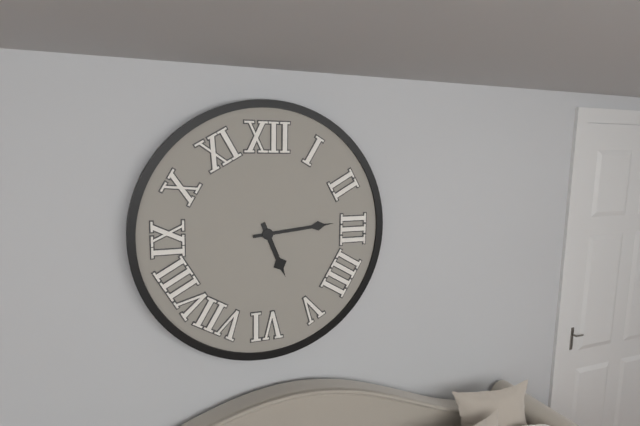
**5:14**
